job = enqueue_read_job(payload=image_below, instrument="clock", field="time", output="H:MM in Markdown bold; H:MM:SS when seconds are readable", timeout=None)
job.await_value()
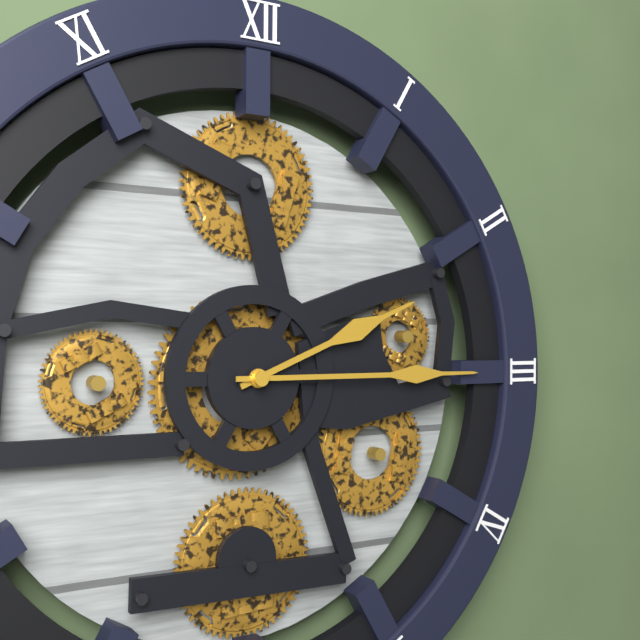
**2:15**
